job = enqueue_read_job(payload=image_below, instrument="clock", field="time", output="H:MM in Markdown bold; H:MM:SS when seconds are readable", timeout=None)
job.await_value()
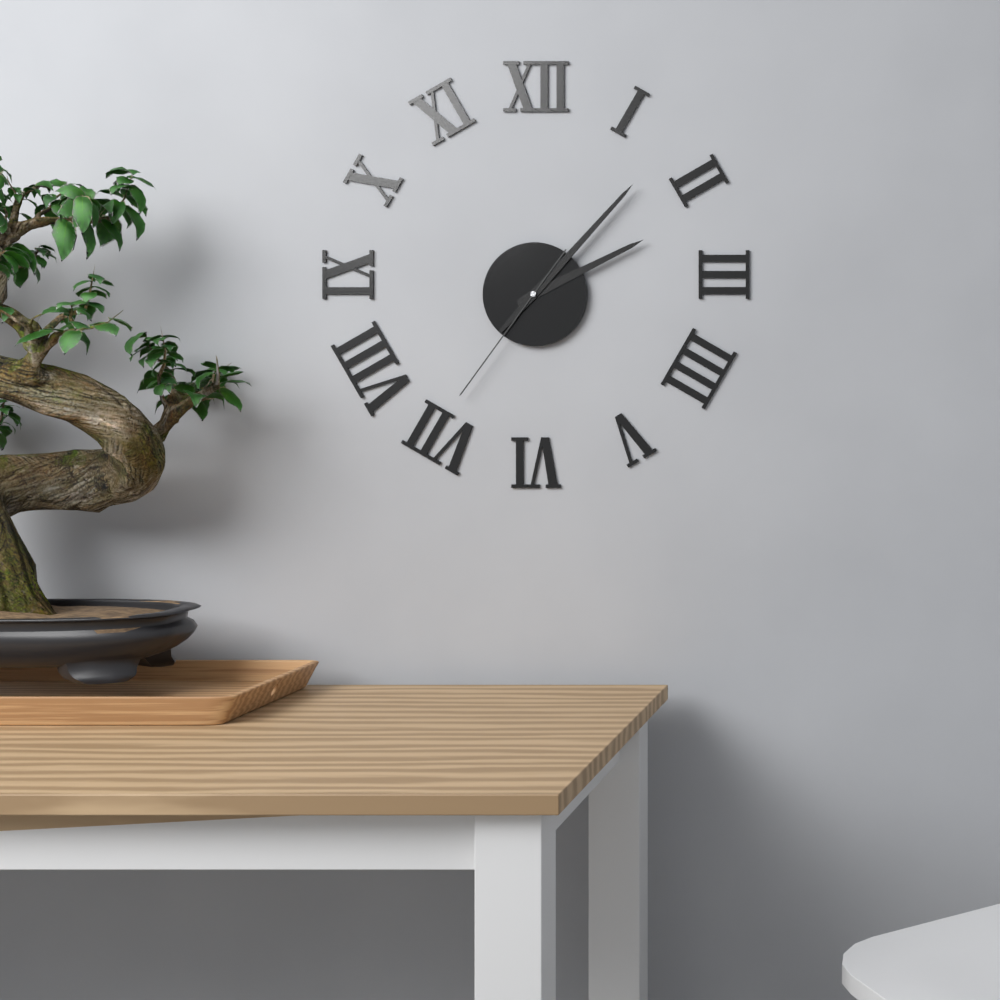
**2:07:36**
